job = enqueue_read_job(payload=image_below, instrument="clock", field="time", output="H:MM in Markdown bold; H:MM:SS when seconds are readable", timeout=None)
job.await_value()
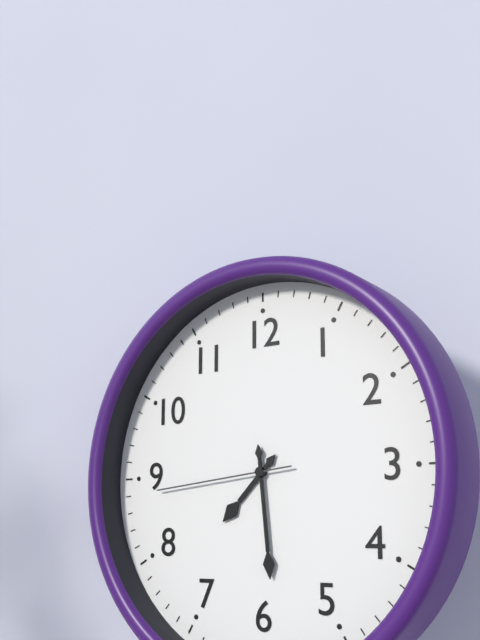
**7:29:44**
